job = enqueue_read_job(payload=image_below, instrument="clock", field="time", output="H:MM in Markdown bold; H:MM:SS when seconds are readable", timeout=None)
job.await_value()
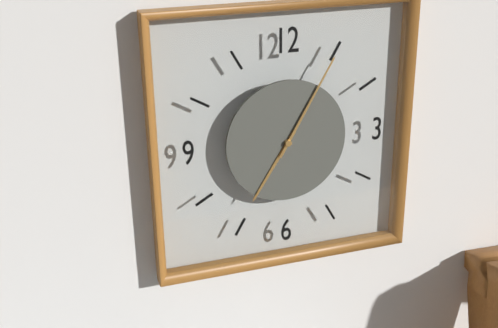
**7:05**
